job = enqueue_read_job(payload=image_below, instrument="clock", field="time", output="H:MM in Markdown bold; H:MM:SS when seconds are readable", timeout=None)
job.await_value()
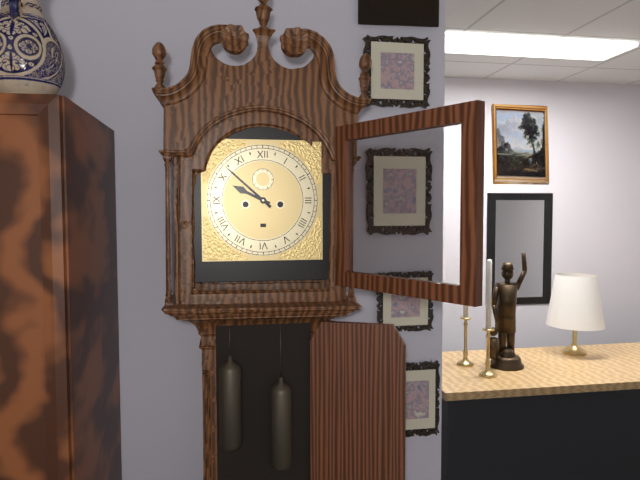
**9:52**
